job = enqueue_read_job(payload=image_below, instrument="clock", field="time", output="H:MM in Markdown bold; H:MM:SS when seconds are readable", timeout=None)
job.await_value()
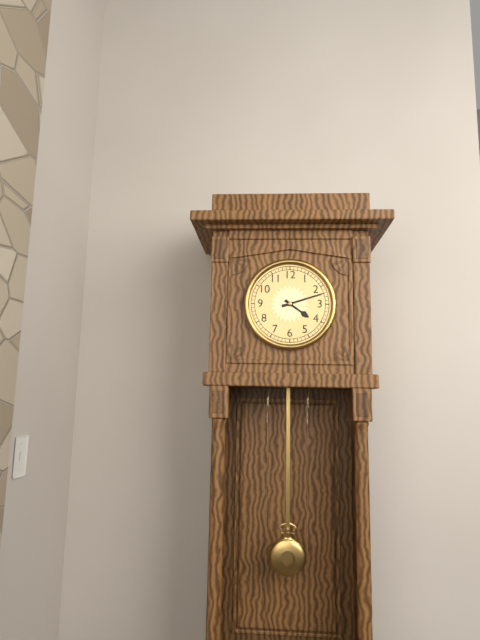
**4:12**
